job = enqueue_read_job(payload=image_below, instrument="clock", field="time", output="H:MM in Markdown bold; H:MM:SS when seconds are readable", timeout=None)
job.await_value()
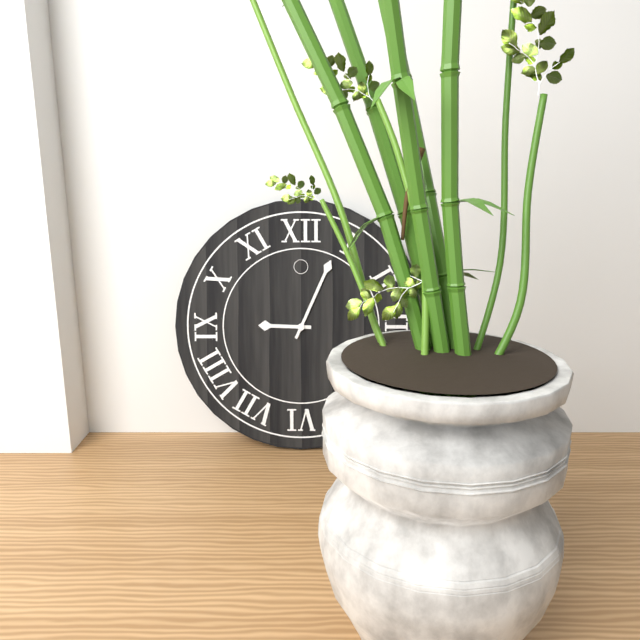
**9:04**
